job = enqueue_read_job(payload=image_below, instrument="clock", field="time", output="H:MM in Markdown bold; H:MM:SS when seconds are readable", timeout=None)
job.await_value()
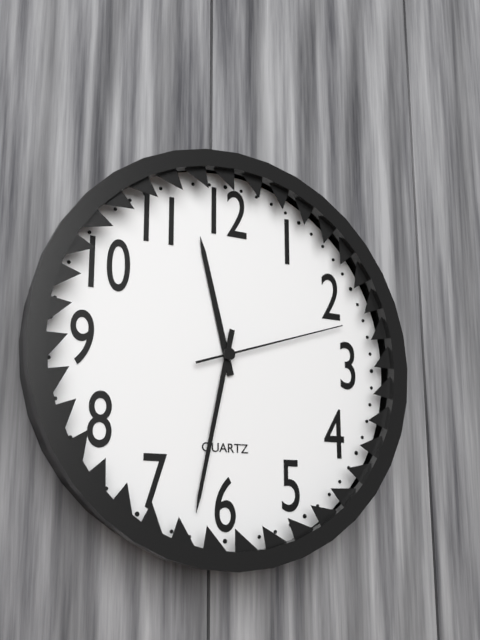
**11:32:12**
